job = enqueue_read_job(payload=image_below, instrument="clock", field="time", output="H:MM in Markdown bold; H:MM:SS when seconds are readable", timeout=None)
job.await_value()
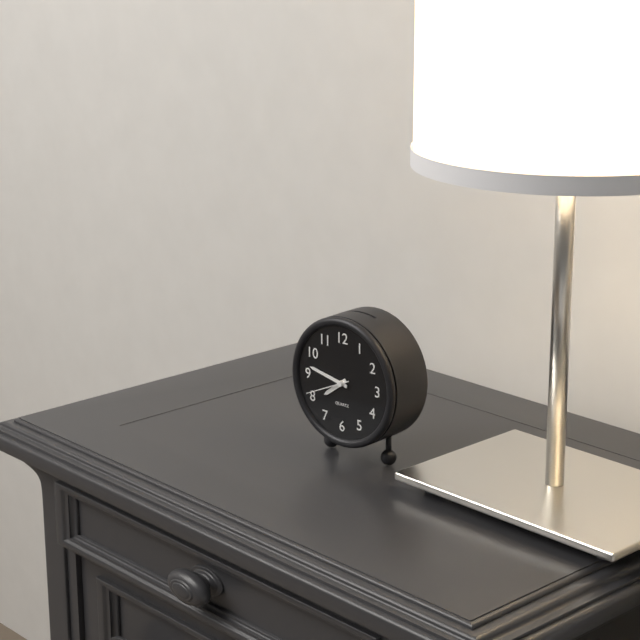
**7:47**
